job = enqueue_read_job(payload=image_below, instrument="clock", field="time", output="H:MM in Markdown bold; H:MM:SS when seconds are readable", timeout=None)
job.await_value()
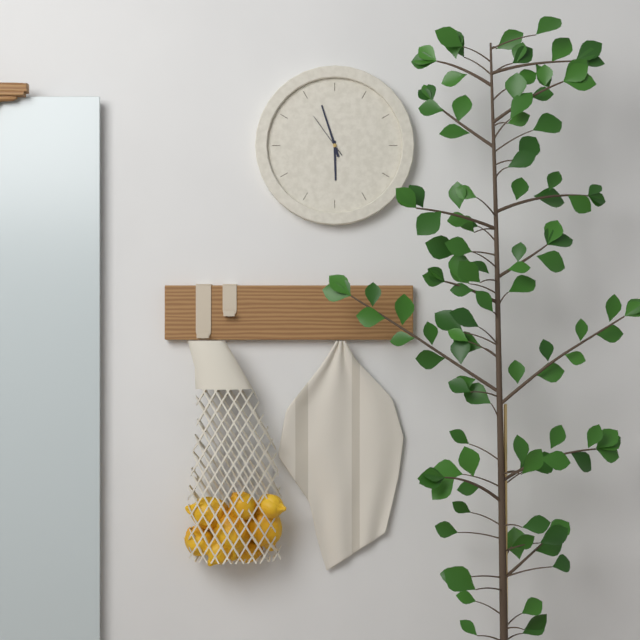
**5:57**
